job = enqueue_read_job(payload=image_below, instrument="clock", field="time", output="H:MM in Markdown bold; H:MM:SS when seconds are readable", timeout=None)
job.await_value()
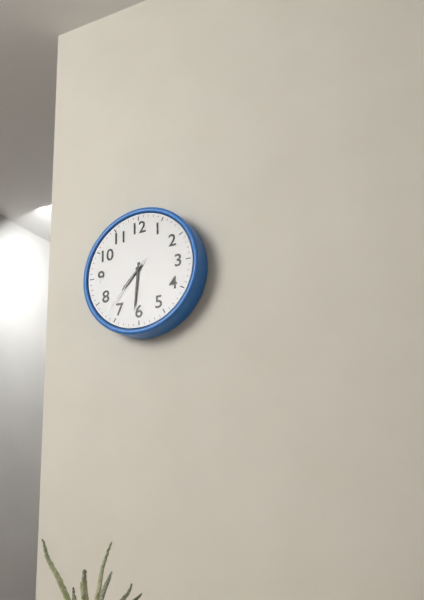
**7:31:37**
